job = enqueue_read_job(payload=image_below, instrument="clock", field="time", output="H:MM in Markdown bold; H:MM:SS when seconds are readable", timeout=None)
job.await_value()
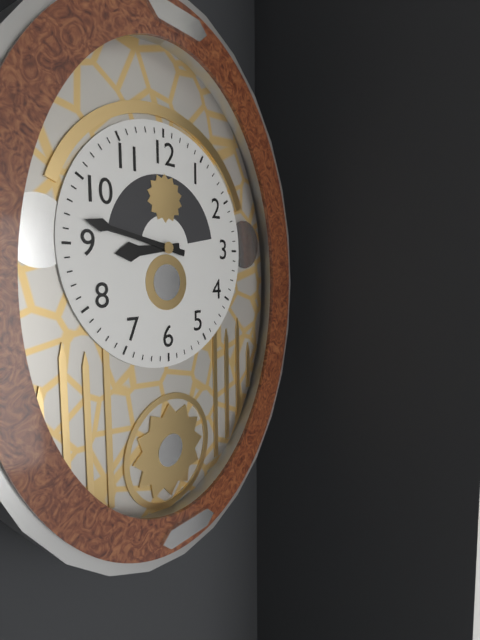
**8:47**
